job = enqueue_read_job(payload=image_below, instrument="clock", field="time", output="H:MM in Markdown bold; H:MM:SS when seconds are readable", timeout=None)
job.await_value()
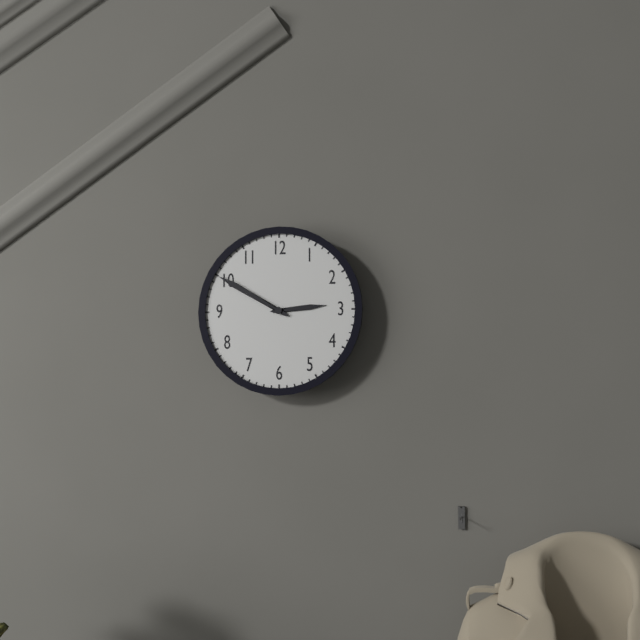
**2:50**
